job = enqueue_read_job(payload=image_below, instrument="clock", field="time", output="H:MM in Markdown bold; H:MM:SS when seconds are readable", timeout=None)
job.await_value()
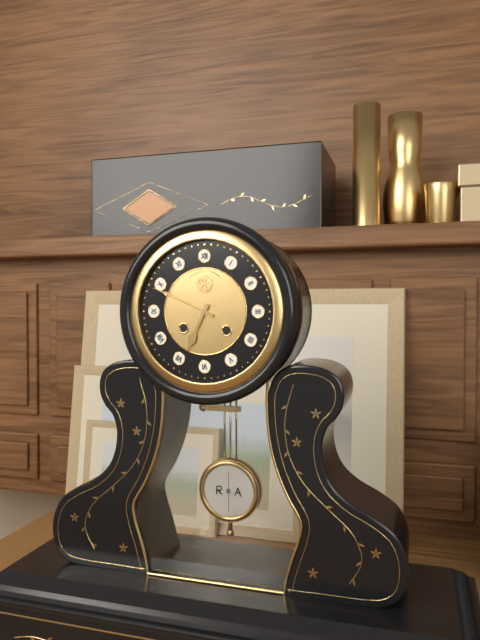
**6:49**
